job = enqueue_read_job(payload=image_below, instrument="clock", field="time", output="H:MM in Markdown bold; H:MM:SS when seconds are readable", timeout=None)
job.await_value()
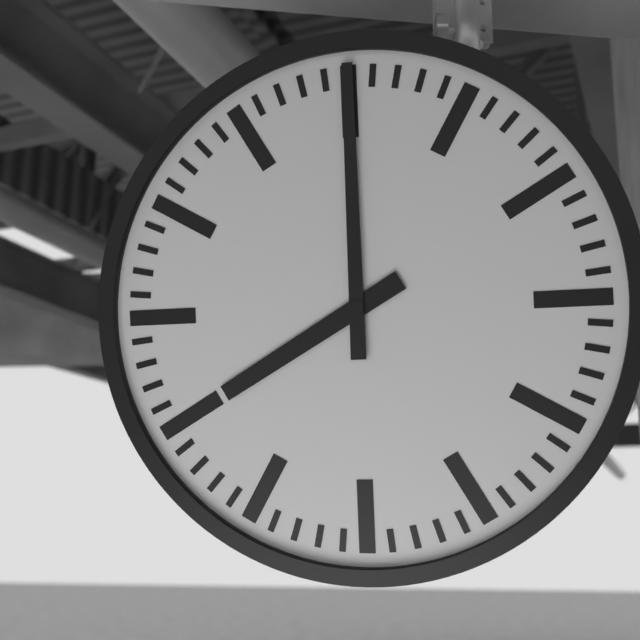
**8:00**
